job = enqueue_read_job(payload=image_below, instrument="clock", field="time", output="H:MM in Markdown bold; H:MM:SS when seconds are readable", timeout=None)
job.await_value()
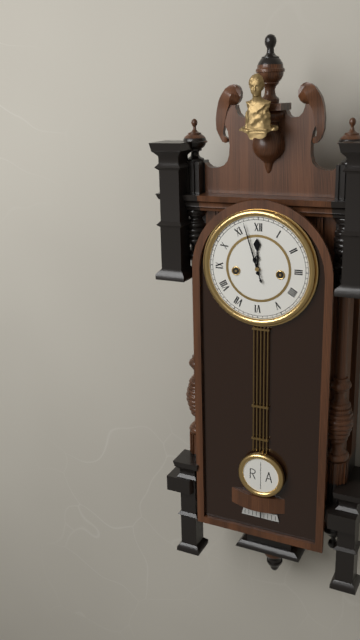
**11:57**
